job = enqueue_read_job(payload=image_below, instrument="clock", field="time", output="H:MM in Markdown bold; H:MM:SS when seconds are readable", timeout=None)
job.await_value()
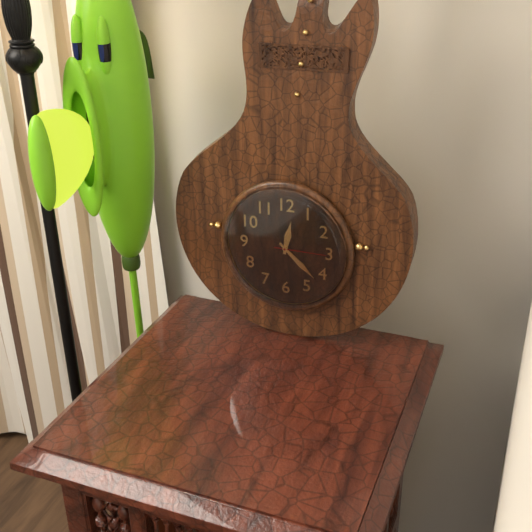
**12:22:15**
